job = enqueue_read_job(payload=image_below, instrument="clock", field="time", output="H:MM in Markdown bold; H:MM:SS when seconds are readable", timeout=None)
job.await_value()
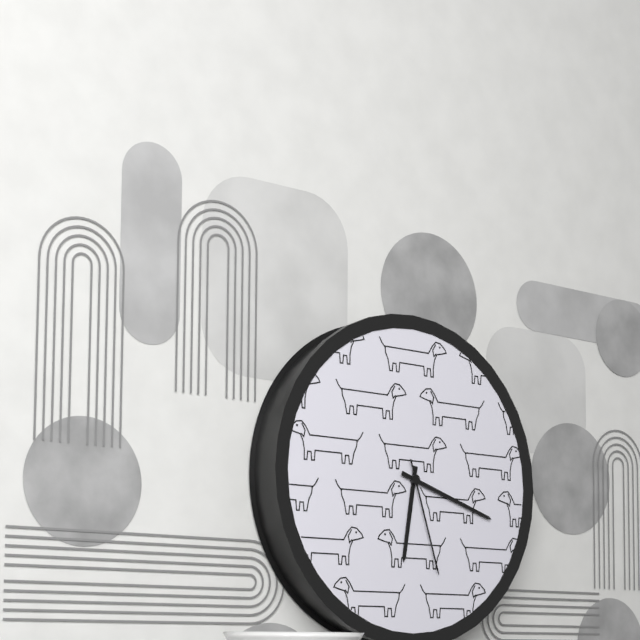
**6:18:27**
